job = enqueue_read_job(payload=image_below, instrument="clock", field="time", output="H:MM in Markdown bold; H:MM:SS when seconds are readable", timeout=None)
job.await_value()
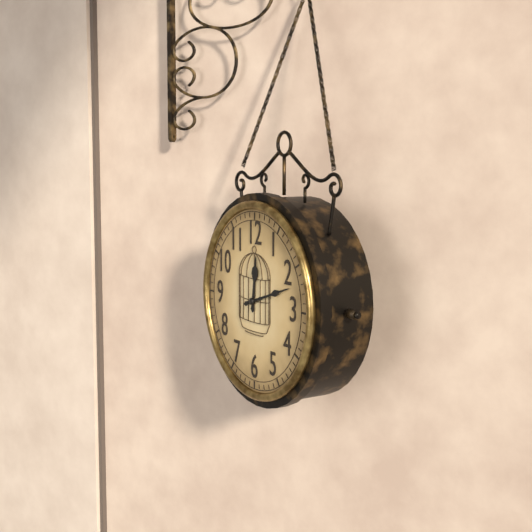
**12:12**
